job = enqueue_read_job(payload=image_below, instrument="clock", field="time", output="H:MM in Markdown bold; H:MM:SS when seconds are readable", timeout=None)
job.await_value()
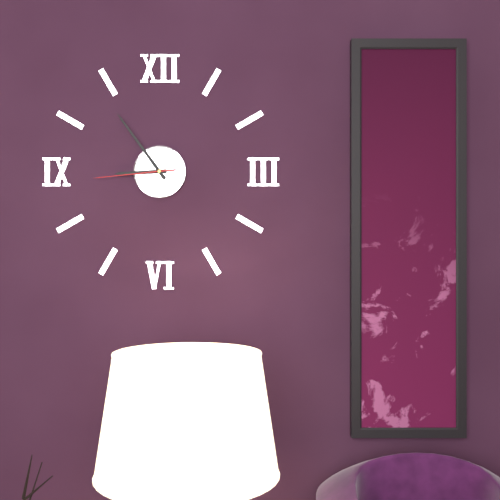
**8:54:44**
